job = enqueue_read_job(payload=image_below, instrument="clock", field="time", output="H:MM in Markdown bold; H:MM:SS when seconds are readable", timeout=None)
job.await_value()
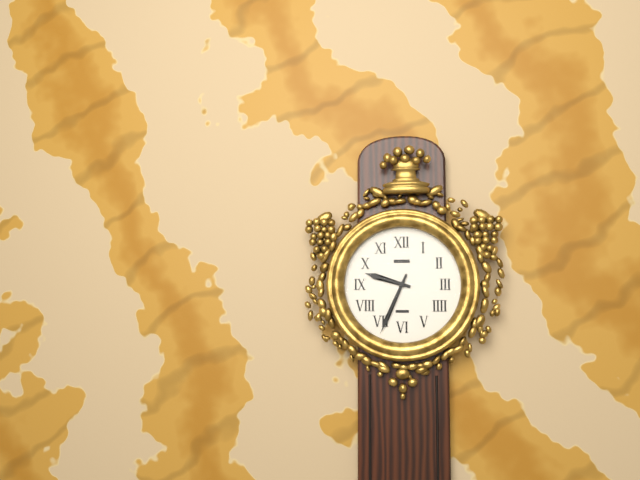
**9:34**
